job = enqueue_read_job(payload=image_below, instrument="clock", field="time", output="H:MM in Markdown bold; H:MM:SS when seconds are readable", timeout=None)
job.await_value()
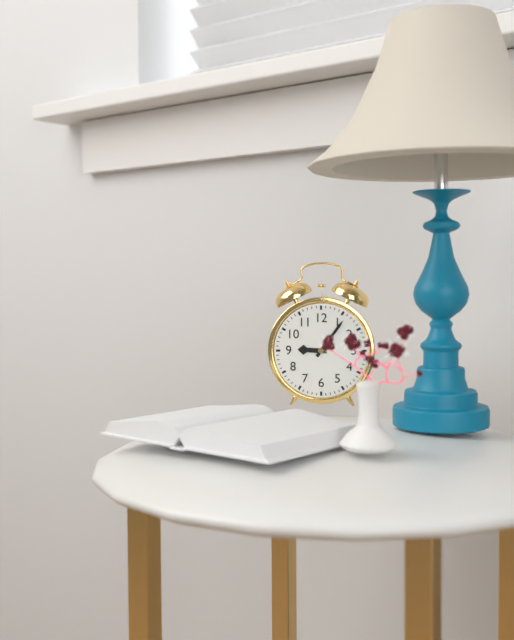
**9:06**
